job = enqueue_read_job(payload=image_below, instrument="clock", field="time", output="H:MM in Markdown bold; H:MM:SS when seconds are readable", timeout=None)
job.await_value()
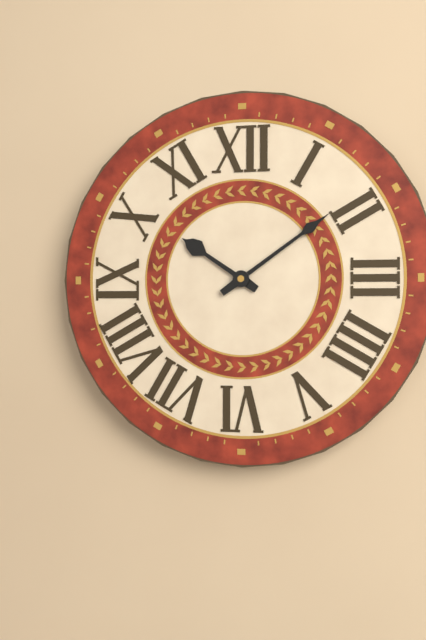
**10:09**
